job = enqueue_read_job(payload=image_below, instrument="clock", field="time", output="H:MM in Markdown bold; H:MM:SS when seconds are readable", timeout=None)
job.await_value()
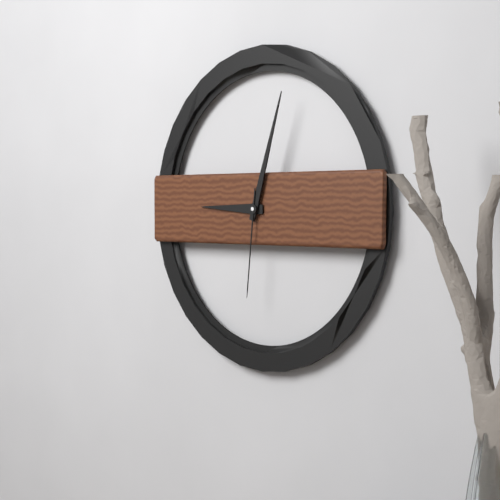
**9:03:31**
